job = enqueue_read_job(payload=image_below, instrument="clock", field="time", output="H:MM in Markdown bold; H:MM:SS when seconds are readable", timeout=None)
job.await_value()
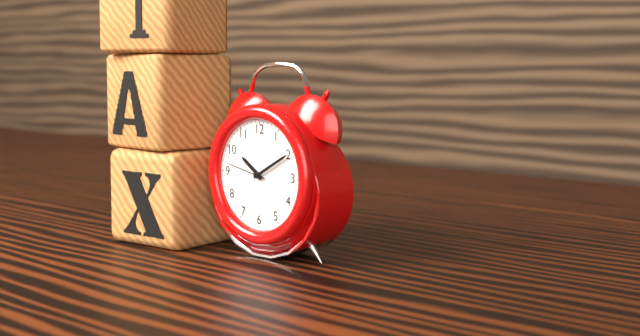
**10:10**
